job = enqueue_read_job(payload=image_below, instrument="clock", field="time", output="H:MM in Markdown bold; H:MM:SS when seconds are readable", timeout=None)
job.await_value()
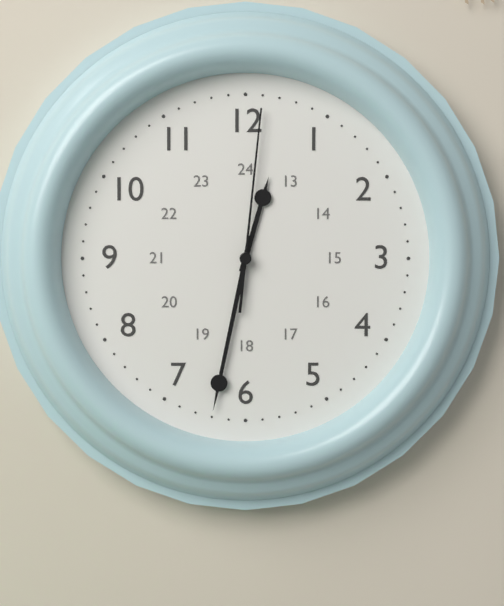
**12:32:01**
